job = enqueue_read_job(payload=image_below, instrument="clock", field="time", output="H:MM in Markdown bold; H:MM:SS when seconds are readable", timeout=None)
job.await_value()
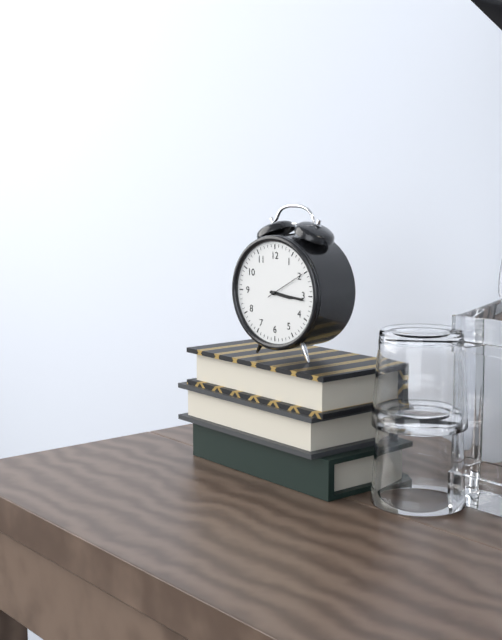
**3:16**
